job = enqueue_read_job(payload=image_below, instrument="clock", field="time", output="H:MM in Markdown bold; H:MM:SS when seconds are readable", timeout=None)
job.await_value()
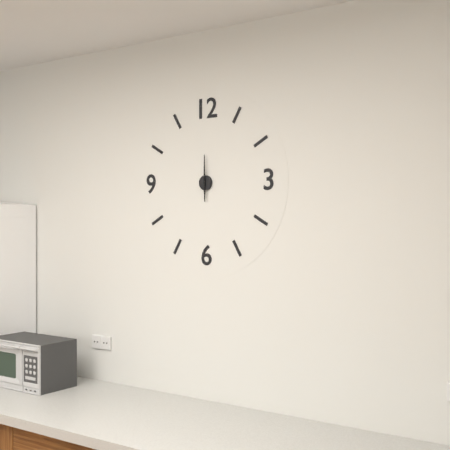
**6:00**
